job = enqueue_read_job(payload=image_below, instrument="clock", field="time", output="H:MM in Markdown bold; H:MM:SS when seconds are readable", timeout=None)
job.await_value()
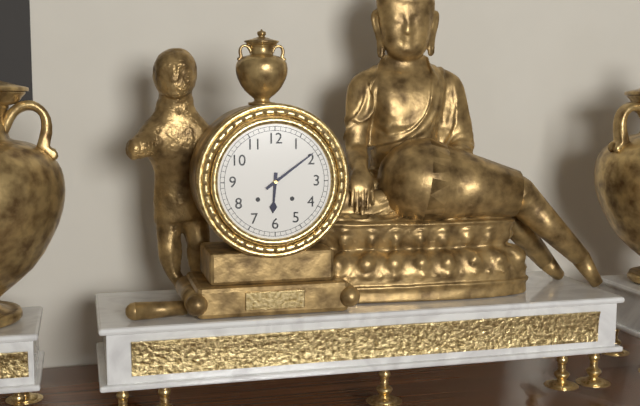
**6:09**
